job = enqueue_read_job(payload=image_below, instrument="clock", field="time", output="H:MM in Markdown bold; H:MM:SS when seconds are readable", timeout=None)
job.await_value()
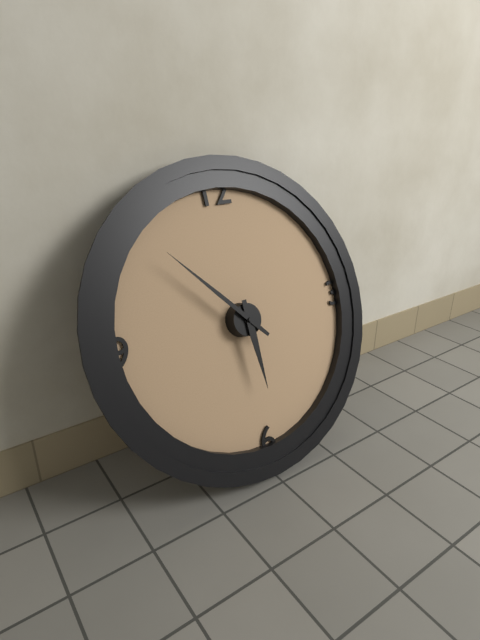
**5:53**
